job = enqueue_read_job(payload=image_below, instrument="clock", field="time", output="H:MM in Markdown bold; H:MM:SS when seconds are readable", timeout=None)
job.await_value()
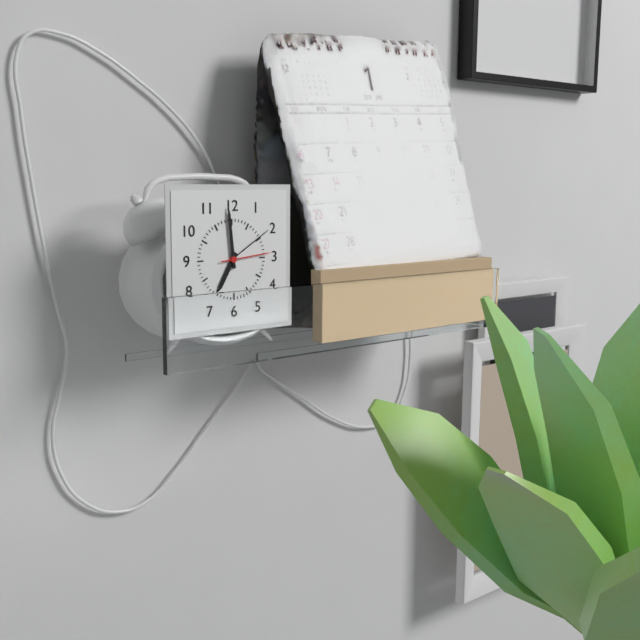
**6:59**
